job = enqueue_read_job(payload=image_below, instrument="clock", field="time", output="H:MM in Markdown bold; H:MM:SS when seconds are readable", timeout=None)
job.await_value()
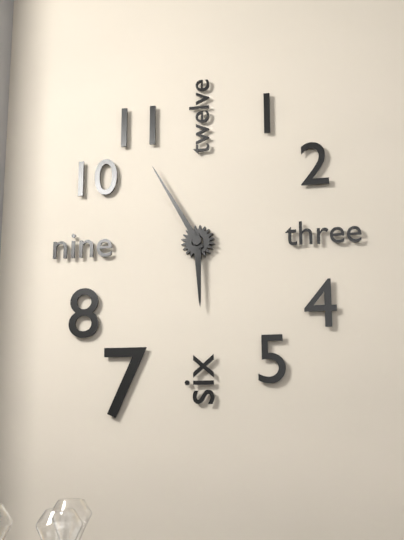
**5:55**
